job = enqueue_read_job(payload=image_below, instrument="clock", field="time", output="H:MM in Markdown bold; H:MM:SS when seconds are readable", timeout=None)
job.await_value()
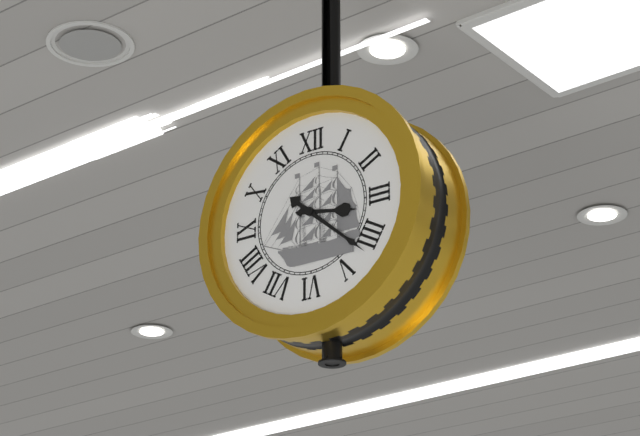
**3:22**
